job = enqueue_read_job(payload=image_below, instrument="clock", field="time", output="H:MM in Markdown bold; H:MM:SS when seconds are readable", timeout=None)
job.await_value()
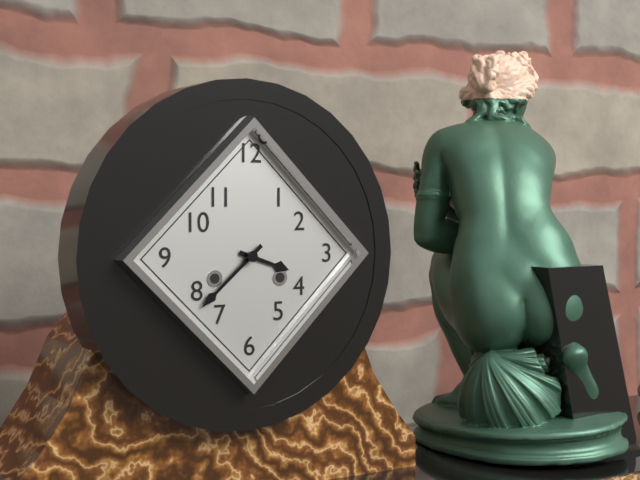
**3:38**
